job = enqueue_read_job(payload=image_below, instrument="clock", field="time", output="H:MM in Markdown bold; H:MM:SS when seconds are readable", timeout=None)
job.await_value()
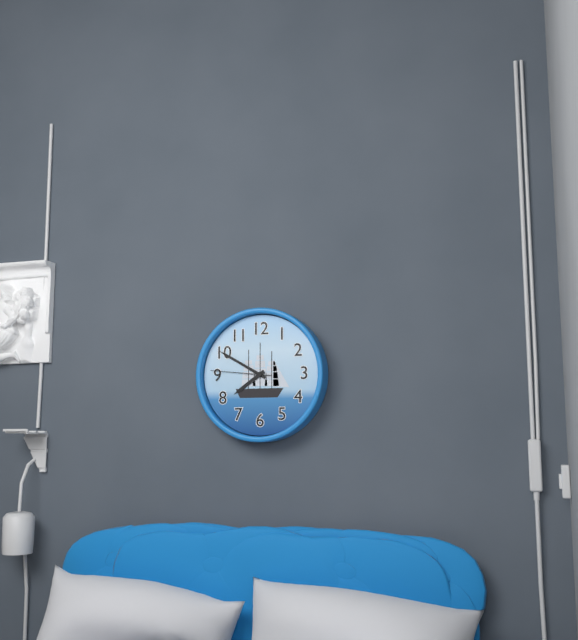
**7:50:46**
